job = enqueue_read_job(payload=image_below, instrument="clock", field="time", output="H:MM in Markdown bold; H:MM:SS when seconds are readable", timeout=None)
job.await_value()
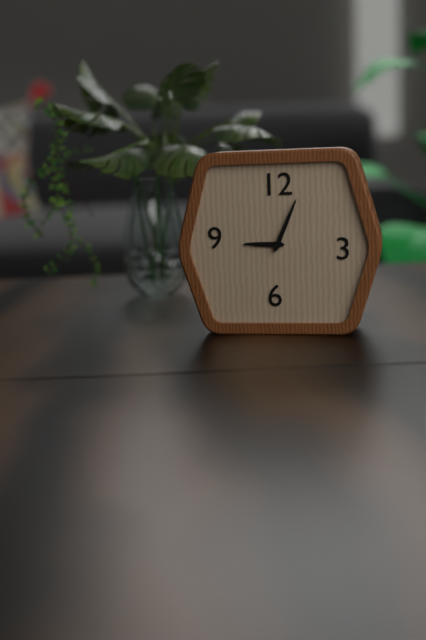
**9:04**
